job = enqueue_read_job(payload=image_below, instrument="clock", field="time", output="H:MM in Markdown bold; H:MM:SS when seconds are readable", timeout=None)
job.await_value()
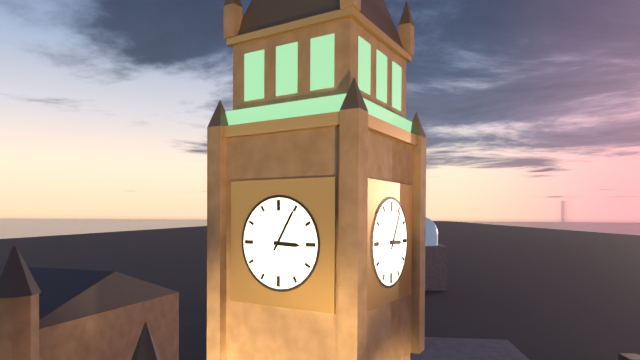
**3:05**
